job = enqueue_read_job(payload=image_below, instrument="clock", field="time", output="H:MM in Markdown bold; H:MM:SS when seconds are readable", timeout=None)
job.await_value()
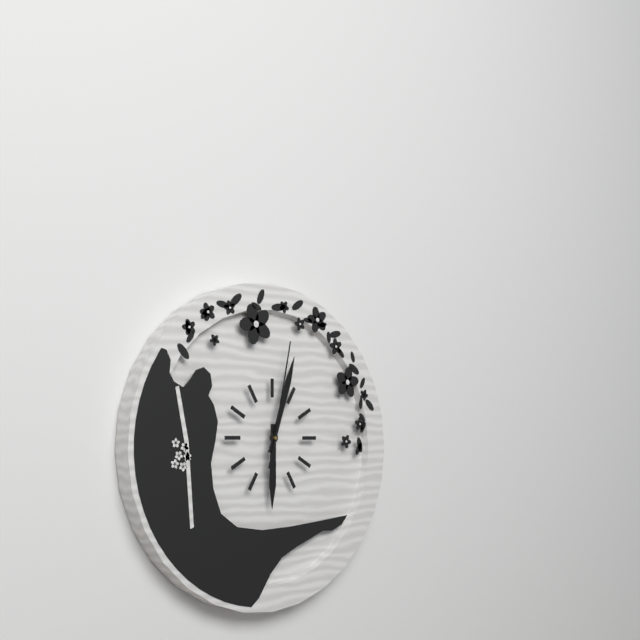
**6:03:02**
